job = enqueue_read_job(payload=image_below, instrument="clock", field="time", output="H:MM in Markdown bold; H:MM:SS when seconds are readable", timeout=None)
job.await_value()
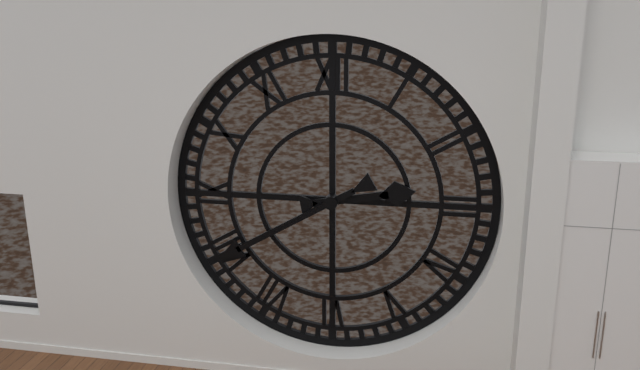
**2:40**
